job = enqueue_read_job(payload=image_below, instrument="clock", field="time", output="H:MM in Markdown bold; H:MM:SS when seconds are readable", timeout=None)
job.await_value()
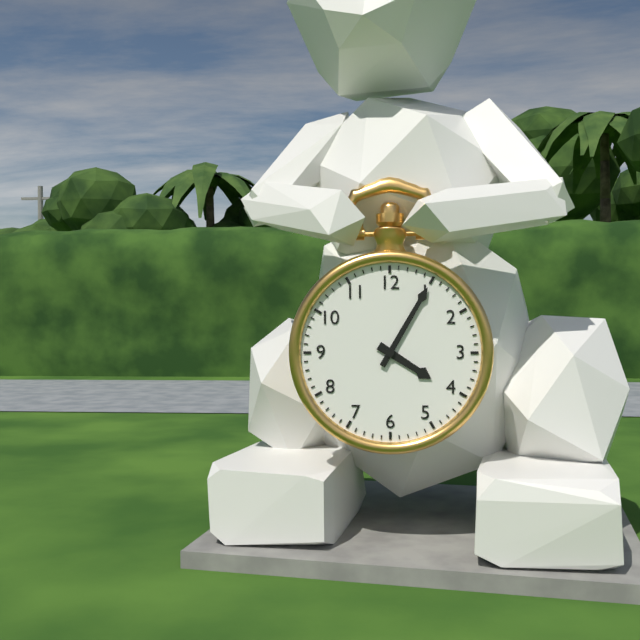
**4:05**
